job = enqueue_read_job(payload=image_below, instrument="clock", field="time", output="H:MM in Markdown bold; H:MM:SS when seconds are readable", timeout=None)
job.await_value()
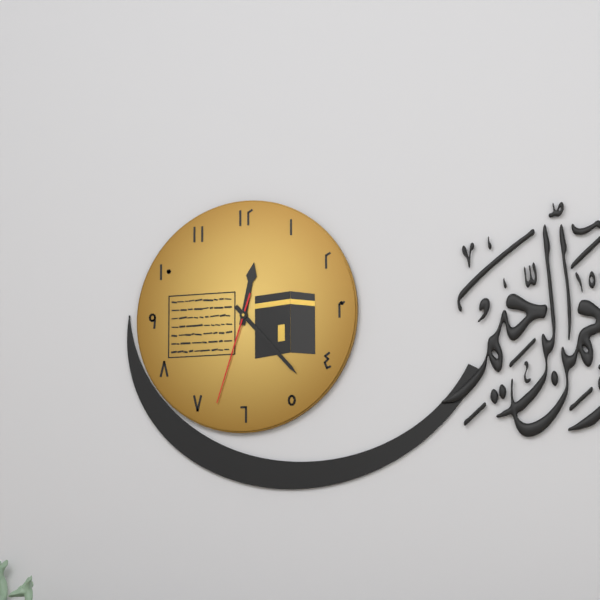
**12:23:33**
